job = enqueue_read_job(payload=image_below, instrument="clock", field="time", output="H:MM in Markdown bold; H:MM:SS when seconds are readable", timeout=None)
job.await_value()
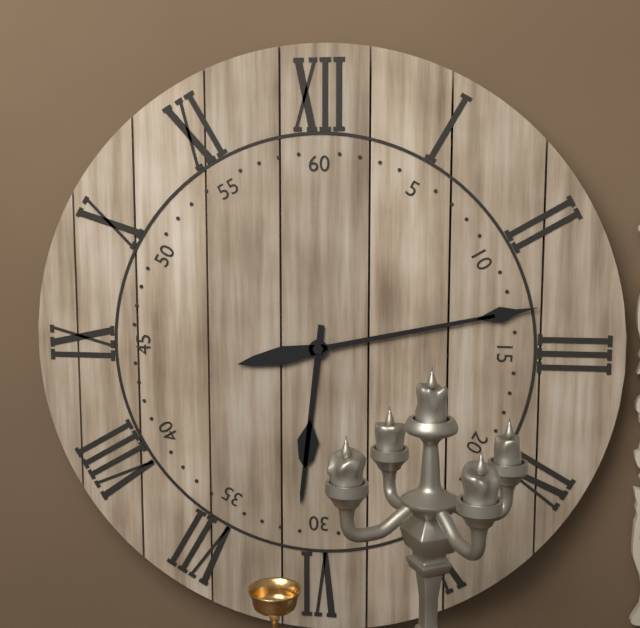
**6:13**
